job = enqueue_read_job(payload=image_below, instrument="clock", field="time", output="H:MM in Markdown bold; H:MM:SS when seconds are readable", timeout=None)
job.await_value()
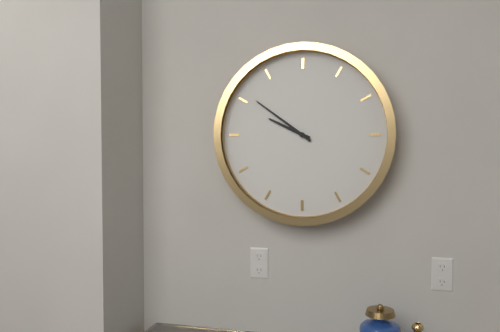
**9:51**
